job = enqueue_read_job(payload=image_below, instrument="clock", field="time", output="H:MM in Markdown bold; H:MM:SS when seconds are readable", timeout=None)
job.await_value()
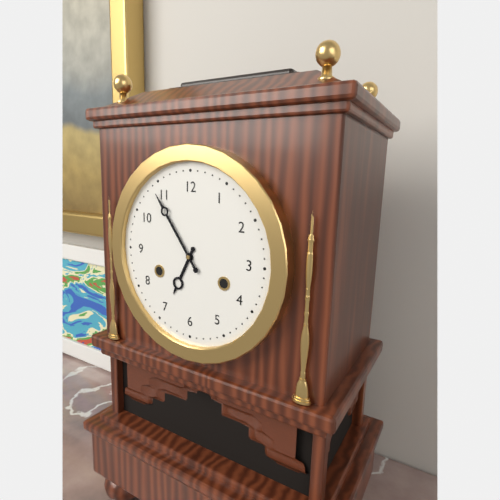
**6:54**
